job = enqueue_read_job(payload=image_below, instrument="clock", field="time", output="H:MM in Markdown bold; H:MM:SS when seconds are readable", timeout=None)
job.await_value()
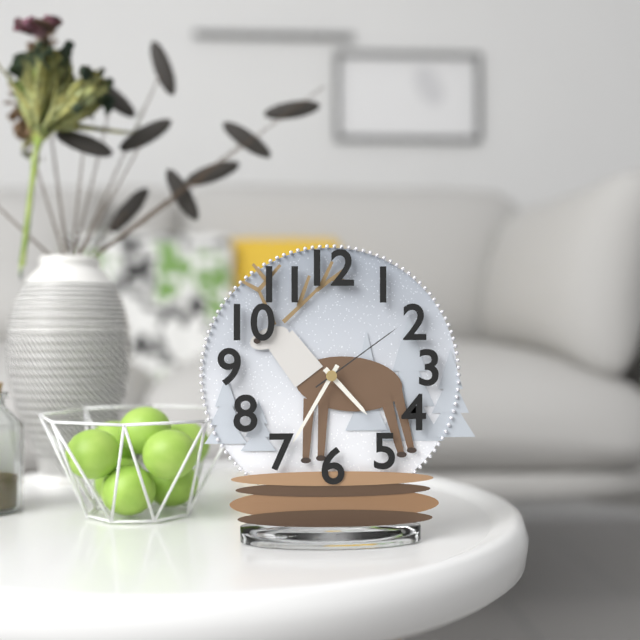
**4:35:09**
